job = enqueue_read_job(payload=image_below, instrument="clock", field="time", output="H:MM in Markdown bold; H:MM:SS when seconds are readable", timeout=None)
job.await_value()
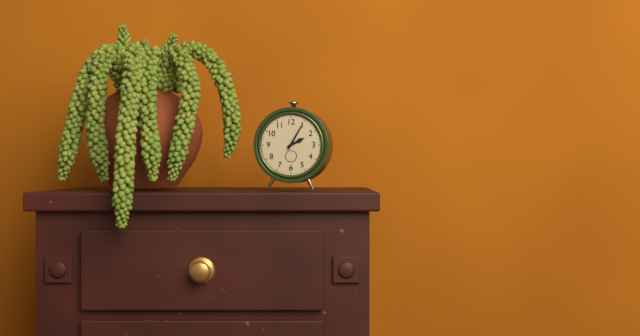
**2:05**
